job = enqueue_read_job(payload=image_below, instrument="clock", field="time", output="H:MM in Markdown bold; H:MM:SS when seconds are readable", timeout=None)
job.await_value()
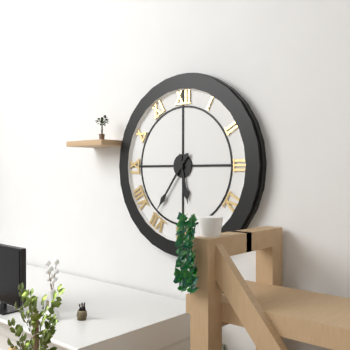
**5:36**
